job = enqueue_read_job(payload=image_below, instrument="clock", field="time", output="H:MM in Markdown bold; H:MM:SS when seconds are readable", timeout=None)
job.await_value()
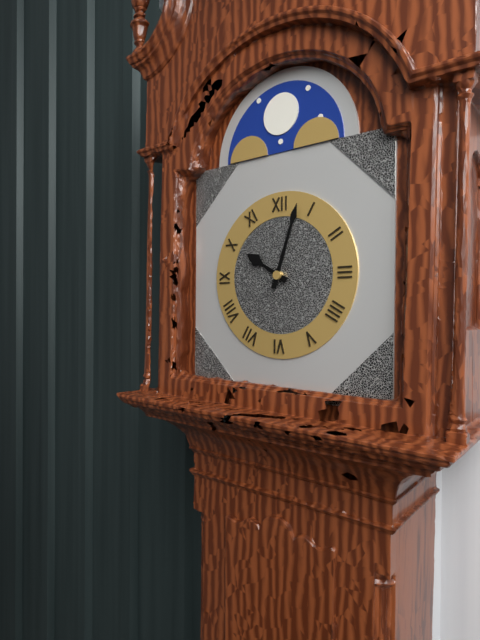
**10:03**
